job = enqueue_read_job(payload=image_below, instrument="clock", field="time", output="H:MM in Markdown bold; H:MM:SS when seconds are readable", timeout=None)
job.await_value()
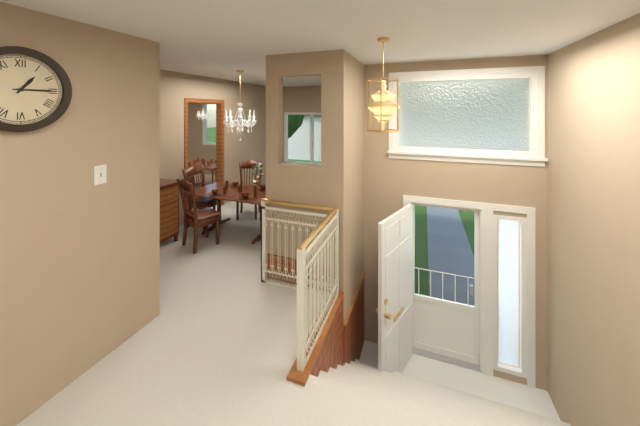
**1:15**
